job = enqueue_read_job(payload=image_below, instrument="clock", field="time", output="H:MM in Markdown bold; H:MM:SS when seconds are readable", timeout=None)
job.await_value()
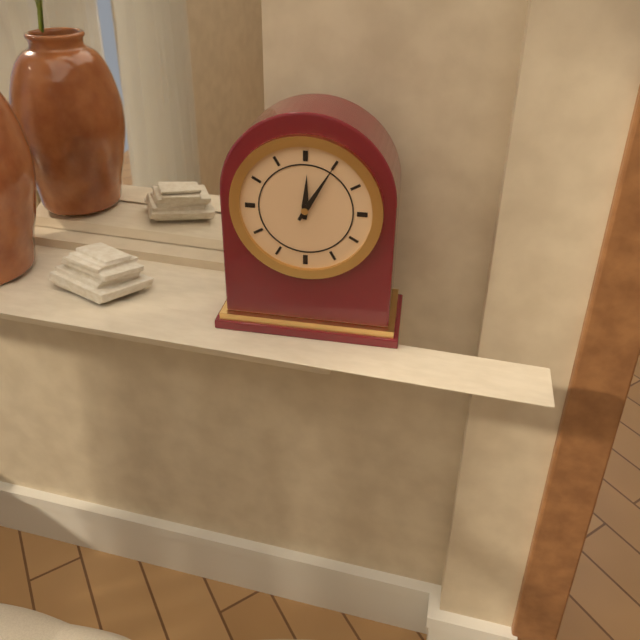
**12:05**
